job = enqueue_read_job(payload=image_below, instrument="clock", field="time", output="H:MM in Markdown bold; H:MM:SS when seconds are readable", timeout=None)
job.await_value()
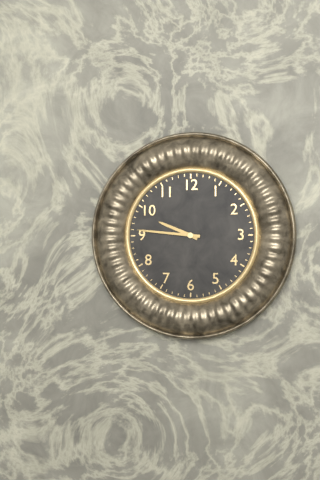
**9:46**
